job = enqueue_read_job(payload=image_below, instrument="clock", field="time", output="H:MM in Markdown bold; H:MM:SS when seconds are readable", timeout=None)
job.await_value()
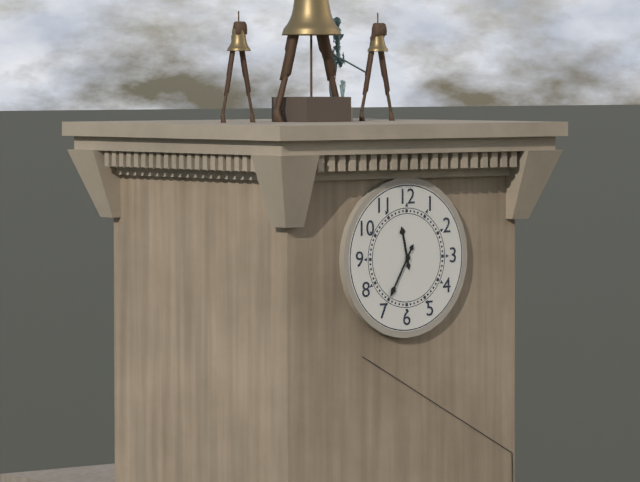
**11:35**
